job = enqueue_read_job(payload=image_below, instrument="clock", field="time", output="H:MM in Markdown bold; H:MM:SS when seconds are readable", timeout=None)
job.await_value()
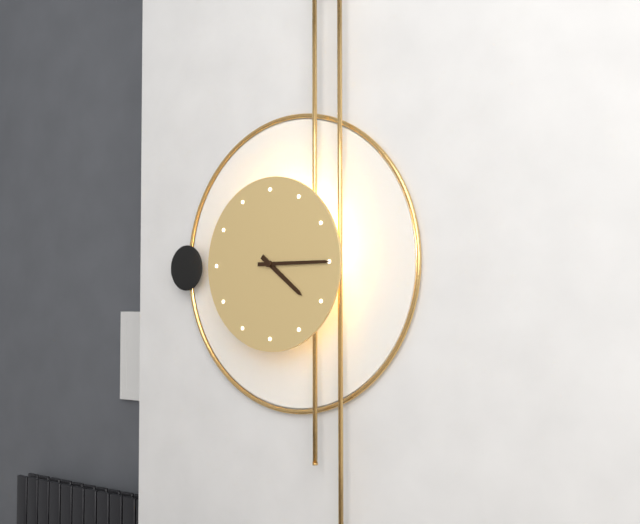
**4:15**
